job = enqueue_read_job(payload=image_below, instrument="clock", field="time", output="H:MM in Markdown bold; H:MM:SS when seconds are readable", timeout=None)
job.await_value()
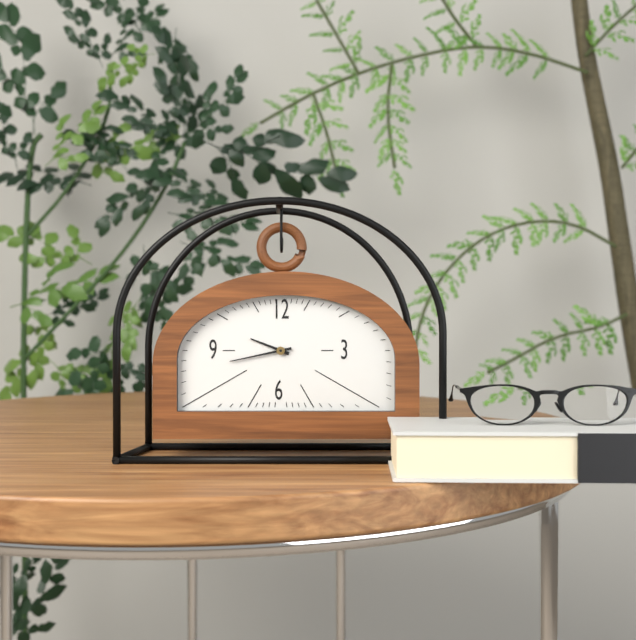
**9:43**
